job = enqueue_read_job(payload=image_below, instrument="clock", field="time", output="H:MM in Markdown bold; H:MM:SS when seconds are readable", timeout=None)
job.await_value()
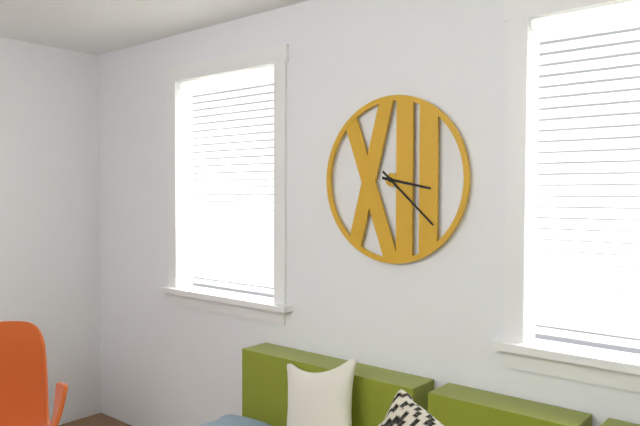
**3:22**
